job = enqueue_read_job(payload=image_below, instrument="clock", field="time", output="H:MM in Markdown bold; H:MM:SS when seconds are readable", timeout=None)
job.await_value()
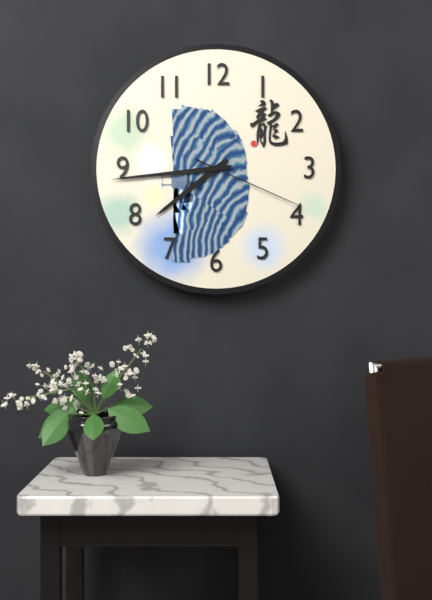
**7:44:19**
